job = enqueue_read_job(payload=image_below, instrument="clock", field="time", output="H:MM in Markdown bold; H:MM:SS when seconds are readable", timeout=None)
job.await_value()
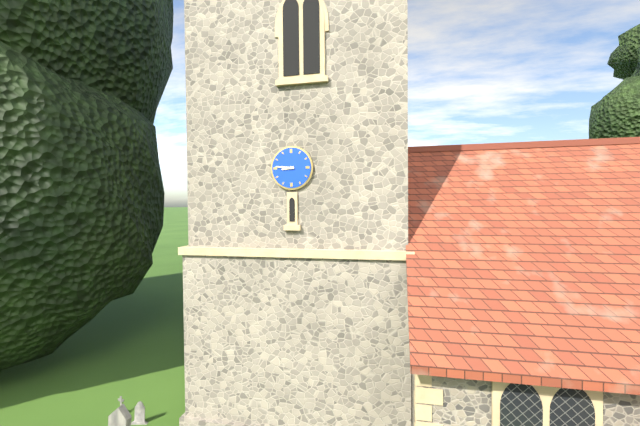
**8:46**
